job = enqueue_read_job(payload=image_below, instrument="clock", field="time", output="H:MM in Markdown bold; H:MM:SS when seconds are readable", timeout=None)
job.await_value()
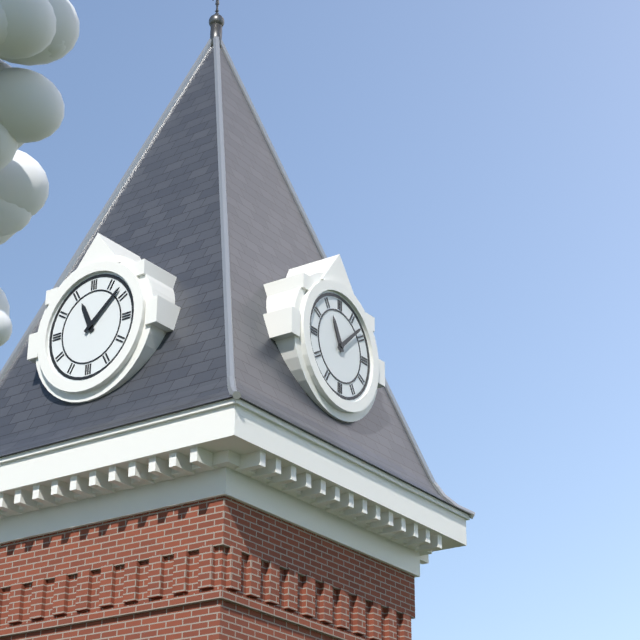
**11:08**
